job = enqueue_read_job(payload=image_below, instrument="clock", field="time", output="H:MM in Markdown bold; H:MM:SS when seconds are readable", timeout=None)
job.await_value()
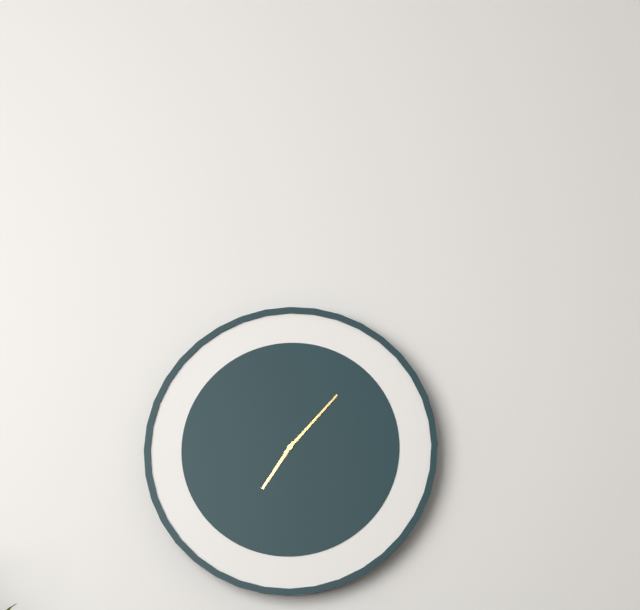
**7:07**
